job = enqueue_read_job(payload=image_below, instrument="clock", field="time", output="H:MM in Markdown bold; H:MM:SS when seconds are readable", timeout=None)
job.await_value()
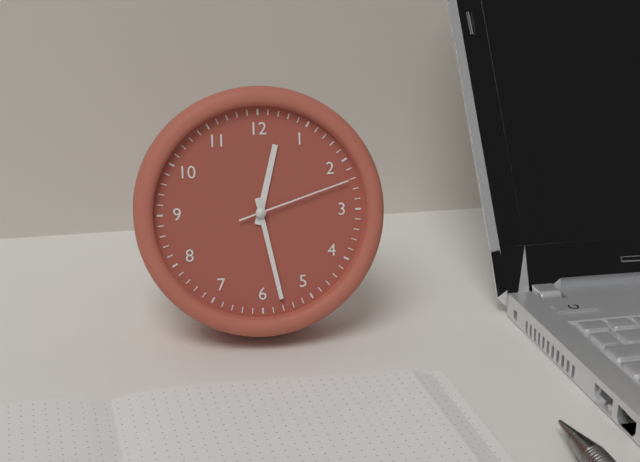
**12:28:12**
